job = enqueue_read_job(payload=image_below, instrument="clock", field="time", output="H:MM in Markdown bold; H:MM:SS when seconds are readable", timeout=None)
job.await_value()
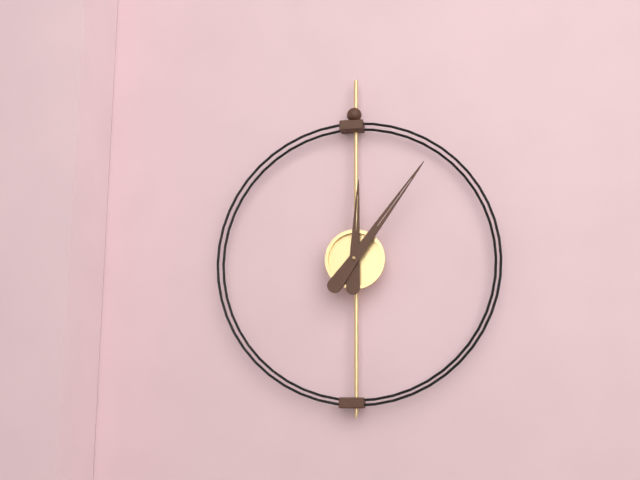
**12:06**
